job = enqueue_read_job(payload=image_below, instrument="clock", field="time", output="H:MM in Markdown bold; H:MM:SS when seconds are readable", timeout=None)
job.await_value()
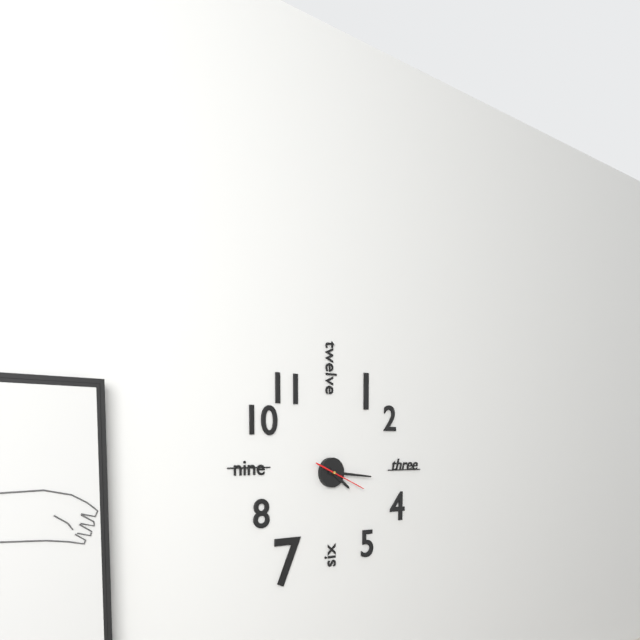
**4:16**
